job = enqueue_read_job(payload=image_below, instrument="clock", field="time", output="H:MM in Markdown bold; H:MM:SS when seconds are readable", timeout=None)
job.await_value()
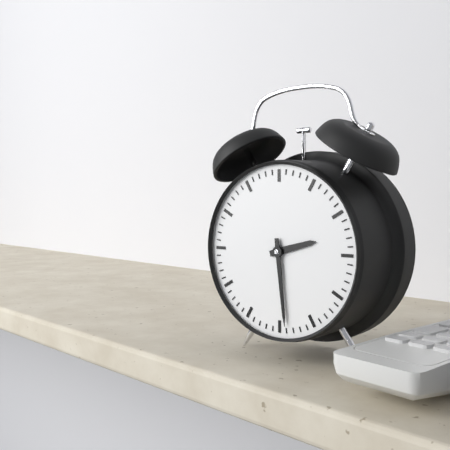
**2:29**
